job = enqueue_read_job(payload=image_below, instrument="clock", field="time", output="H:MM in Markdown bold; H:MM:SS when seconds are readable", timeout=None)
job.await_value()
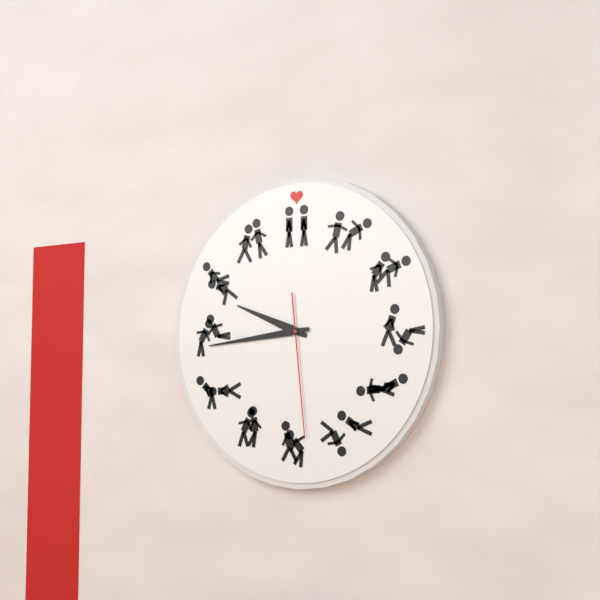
**9:44:29**
